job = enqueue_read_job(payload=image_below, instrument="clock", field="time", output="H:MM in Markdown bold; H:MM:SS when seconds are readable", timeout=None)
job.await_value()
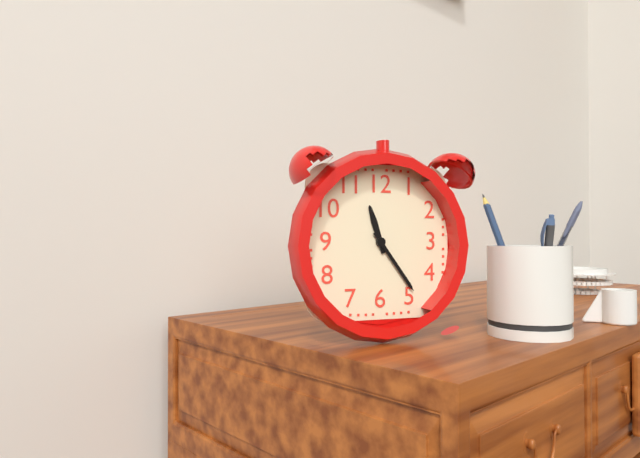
**11:24**
